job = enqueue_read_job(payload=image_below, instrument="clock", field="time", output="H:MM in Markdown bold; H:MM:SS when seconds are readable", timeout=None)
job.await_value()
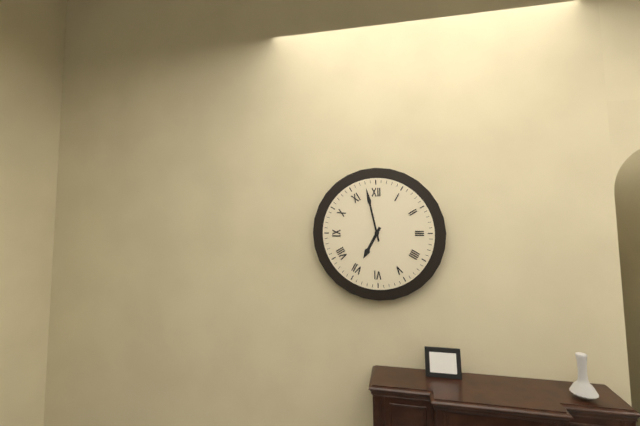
**6:58**
